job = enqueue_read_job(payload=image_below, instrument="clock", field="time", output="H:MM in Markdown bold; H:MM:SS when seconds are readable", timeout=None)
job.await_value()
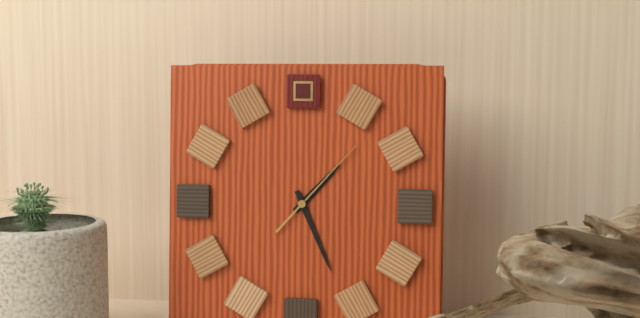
**1:26:07**
